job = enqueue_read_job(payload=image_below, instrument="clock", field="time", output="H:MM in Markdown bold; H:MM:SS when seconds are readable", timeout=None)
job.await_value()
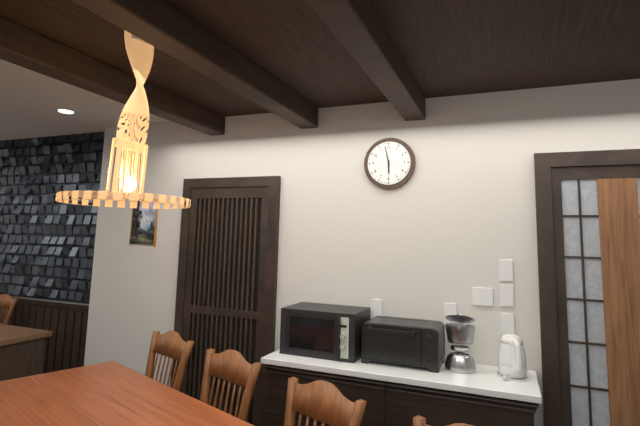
**5:58**
